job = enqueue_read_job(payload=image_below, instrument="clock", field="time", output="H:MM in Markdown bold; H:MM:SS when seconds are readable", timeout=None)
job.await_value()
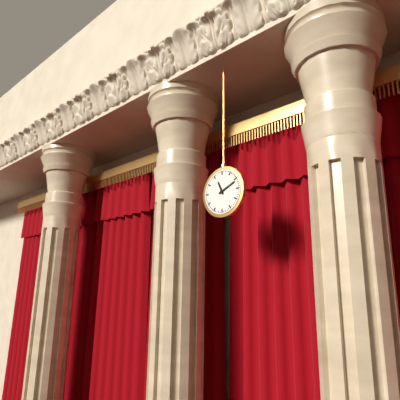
**11:11**
